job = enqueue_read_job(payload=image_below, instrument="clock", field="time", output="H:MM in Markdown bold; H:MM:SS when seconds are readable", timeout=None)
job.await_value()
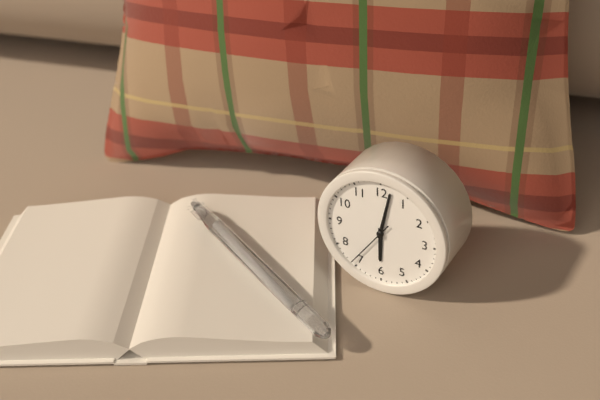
**6:02**
